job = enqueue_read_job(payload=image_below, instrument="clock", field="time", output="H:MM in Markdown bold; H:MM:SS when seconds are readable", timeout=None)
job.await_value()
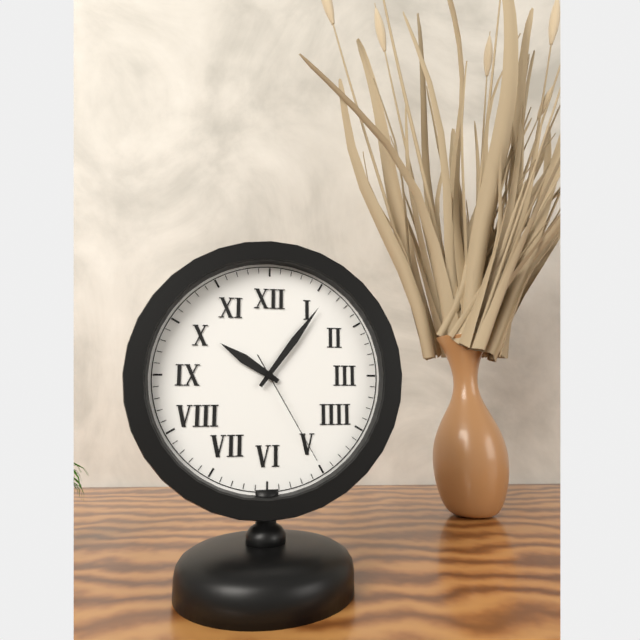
**10:06:25**
